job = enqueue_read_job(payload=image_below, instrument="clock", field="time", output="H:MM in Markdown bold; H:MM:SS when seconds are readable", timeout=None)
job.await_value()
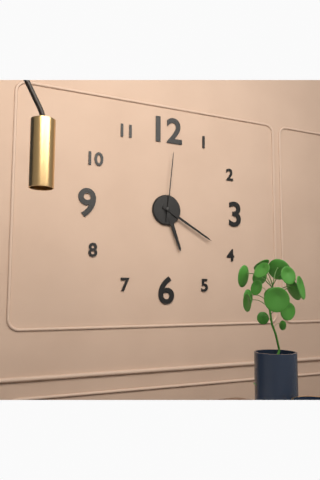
**5:20:01**
